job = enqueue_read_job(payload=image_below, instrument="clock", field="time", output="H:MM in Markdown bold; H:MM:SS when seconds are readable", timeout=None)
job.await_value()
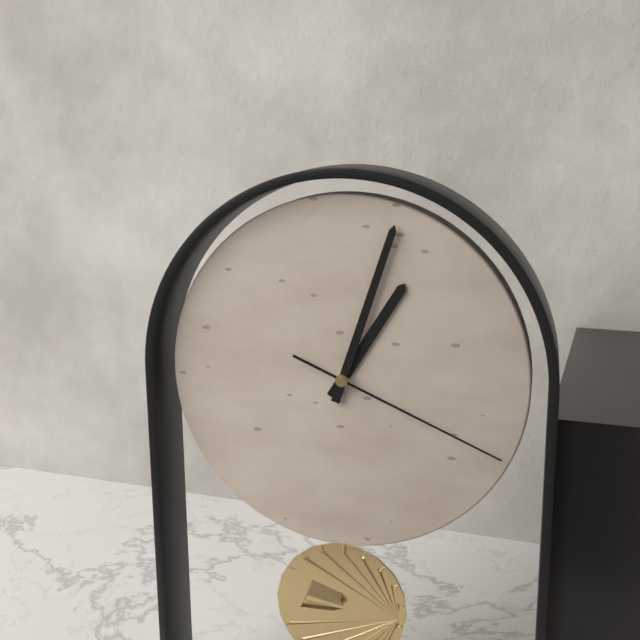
**1:03:19**
